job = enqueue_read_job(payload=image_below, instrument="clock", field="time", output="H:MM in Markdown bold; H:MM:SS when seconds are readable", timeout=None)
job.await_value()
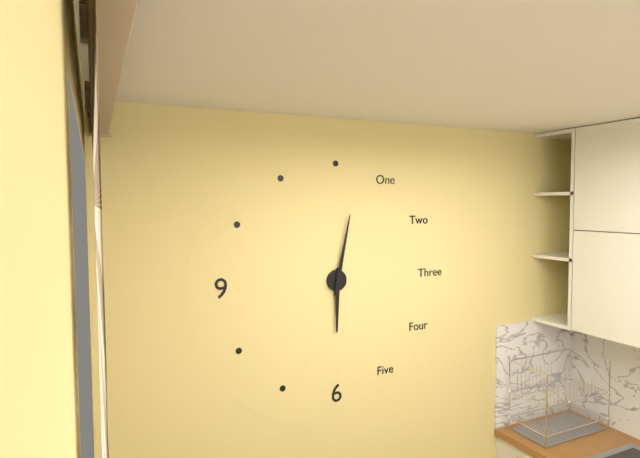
**6:02**
